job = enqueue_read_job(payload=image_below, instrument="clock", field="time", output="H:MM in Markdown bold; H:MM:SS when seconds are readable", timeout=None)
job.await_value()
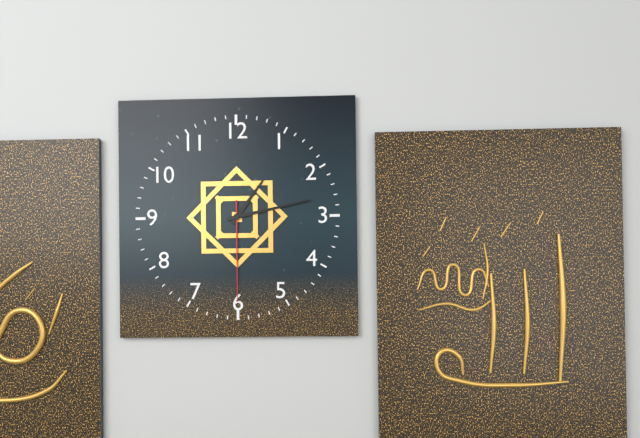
**1:13:30**
